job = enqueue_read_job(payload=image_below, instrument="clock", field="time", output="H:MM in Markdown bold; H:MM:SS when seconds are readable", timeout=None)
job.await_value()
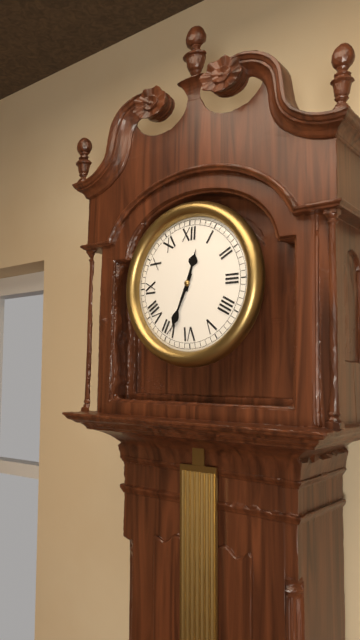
**12:34**
